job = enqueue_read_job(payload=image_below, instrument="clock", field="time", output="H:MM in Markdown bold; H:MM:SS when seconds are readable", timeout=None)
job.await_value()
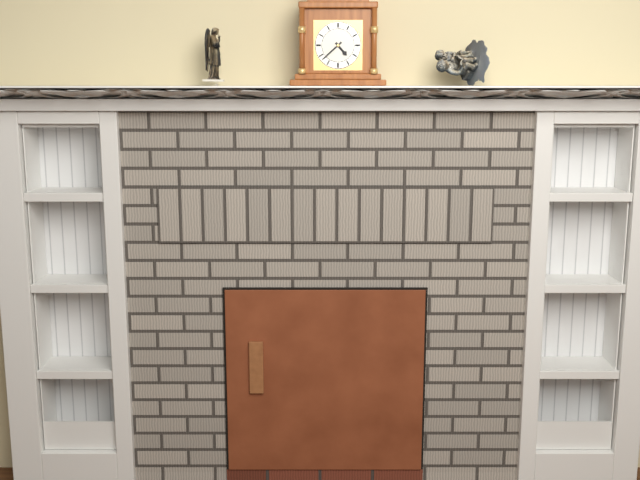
**4:38**
